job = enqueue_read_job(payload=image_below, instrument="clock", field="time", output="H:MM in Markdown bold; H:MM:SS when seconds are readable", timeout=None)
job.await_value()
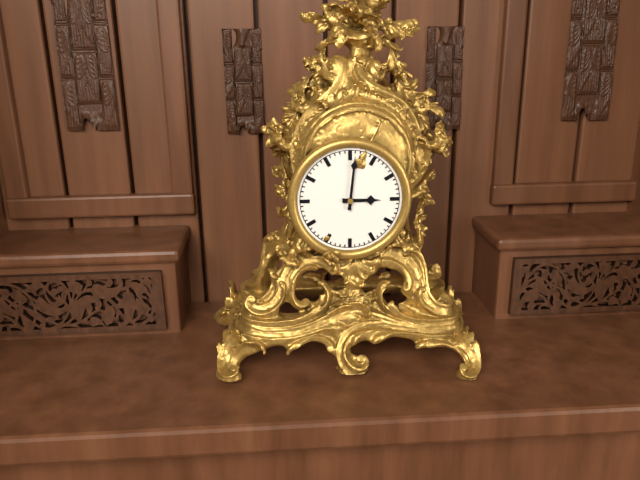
**3:01**
